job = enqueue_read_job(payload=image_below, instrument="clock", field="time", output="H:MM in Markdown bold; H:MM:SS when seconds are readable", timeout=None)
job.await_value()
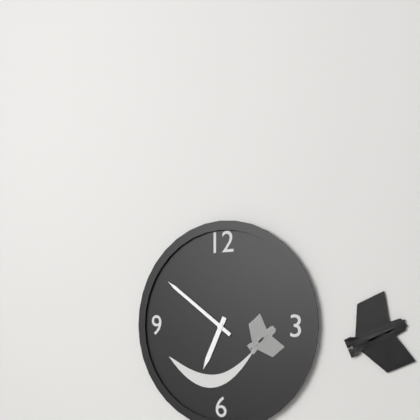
**6:51**
